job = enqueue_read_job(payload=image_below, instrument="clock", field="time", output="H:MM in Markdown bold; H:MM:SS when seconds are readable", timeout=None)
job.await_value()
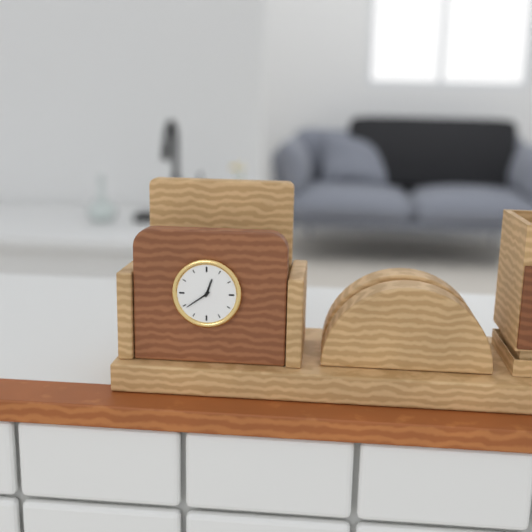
**12:39**
